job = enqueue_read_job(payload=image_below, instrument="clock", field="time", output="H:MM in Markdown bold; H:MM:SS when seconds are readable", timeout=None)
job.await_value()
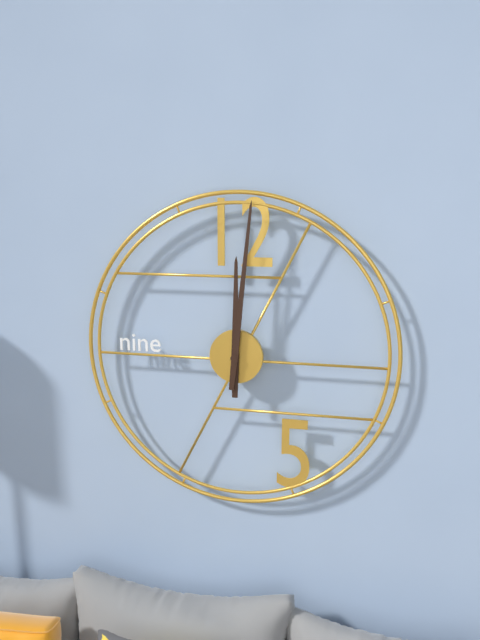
**12:01**
